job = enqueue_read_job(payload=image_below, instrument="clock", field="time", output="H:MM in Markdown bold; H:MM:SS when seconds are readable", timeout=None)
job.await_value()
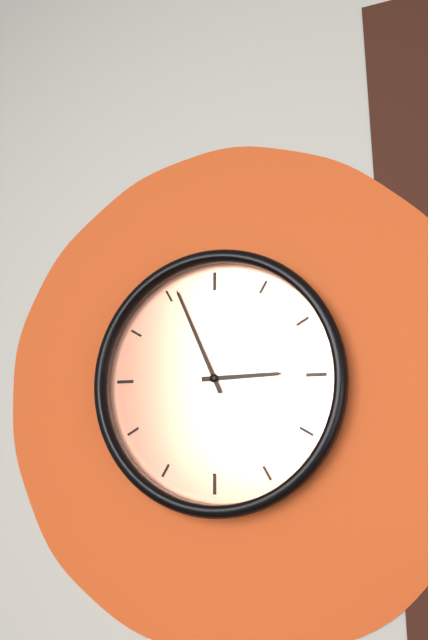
**2:56**
